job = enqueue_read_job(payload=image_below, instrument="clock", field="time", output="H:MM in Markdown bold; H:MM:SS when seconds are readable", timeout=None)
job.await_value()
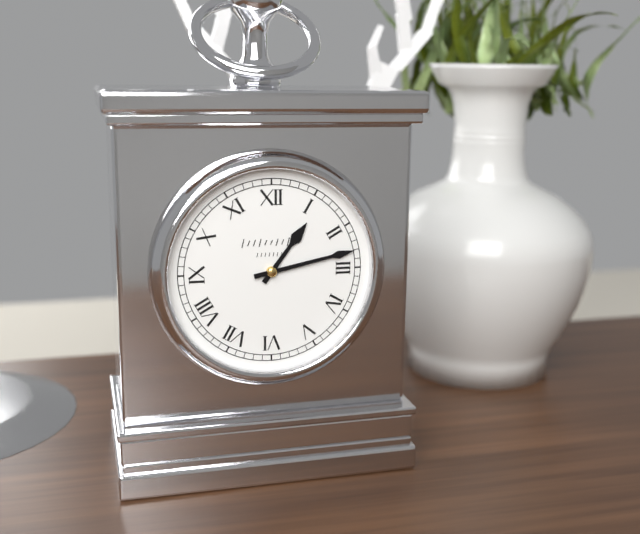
**1:13**
